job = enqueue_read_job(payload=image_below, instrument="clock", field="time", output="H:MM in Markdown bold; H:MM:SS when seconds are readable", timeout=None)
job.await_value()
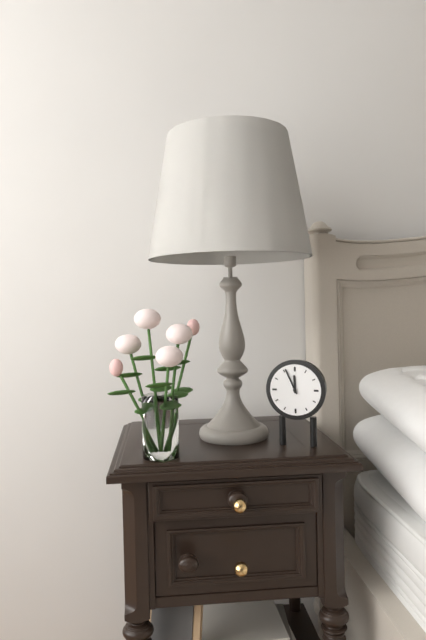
**11:56**
